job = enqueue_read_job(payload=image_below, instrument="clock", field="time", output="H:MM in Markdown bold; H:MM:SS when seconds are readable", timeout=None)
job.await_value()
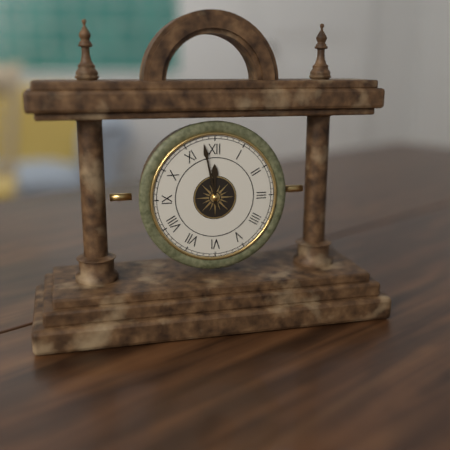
**11:58**
